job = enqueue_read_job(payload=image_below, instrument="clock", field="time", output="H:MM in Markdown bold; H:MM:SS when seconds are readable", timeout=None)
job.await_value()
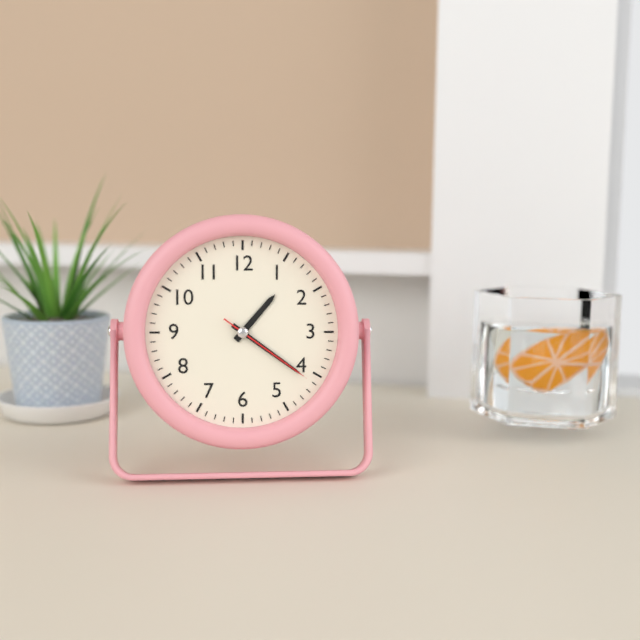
**1:21:21**
